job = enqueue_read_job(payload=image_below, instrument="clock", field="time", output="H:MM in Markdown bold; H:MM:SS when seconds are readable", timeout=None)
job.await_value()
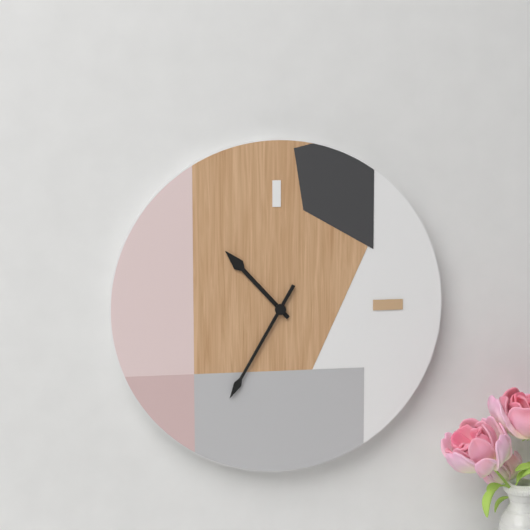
**10:35**
